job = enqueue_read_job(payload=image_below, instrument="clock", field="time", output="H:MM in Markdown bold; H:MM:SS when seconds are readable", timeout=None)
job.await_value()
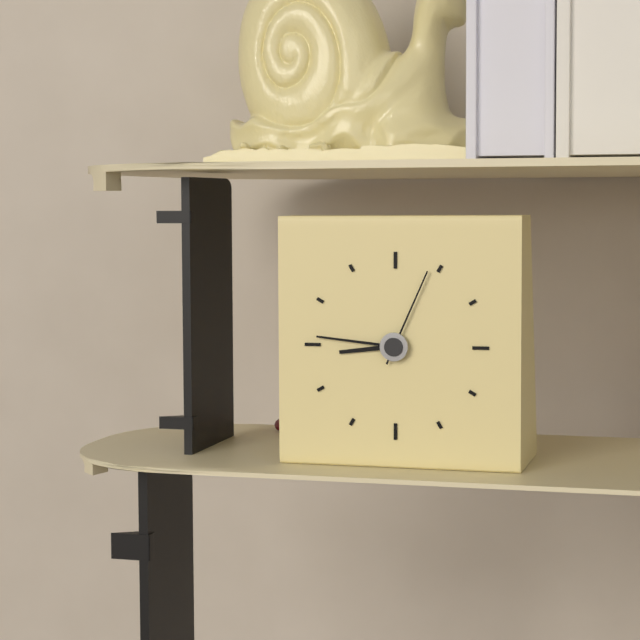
**8:46:04**
